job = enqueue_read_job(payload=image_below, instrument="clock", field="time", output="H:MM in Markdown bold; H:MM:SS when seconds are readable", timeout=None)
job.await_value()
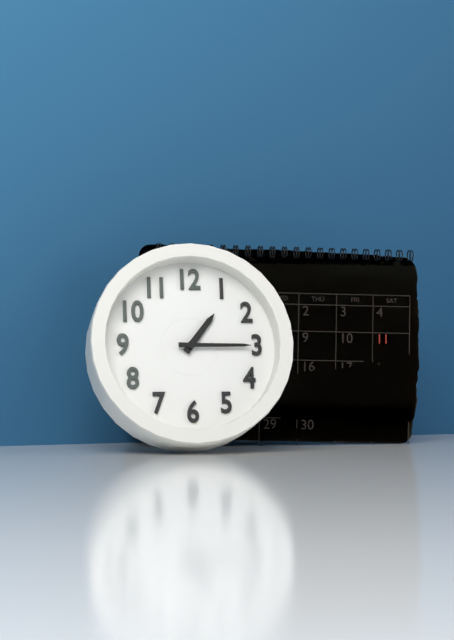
**1:15**
